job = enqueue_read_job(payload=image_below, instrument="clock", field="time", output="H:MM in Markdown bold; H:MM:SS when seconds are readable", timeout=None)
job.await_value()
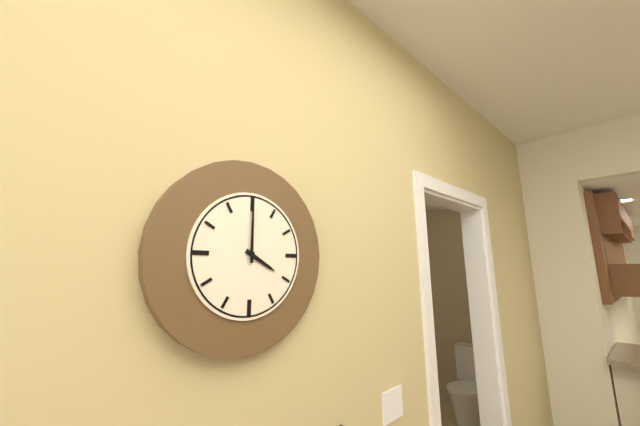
**4:00**
